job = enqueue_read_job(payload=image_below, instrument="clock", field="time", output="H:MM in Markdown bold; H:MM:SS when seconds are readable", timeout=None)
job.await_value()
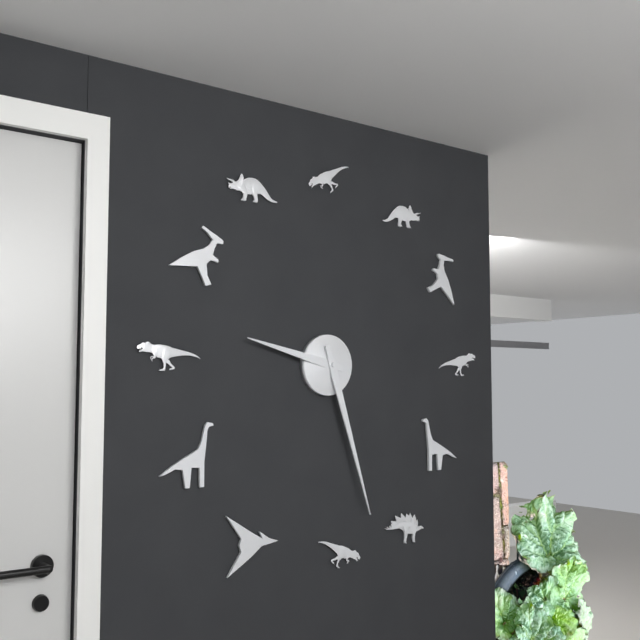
**9:27**
